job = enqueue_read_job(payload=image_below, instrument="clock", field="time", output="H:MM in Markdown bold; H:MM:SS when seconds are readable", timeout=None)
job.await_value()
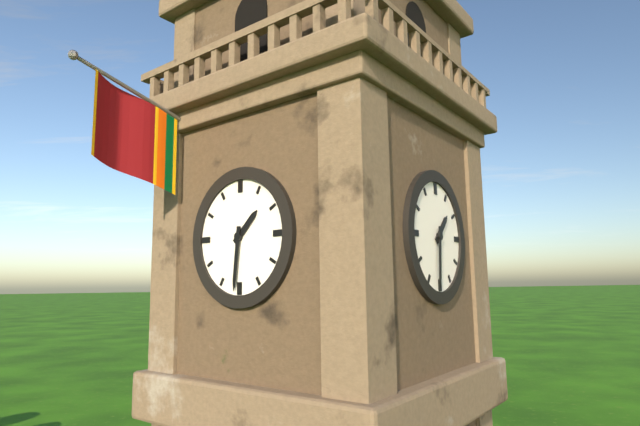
**1:31**
